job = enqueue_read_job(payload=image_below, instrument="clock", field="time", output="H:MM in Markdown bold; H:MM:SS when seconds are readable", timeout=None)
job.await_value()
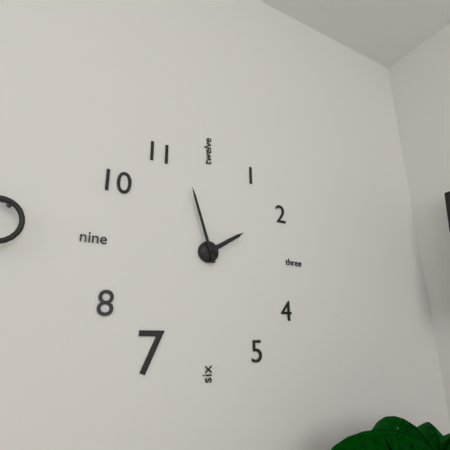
**1:57**
